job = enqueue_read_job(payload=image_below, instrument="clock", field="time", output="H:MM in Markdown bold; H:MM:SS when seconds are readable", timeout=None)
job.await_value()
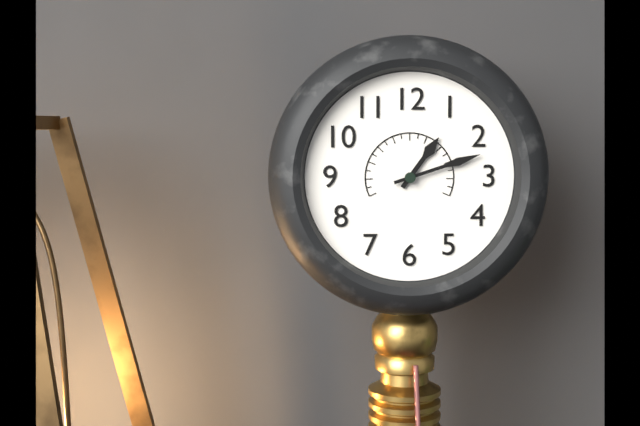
**1:12**
